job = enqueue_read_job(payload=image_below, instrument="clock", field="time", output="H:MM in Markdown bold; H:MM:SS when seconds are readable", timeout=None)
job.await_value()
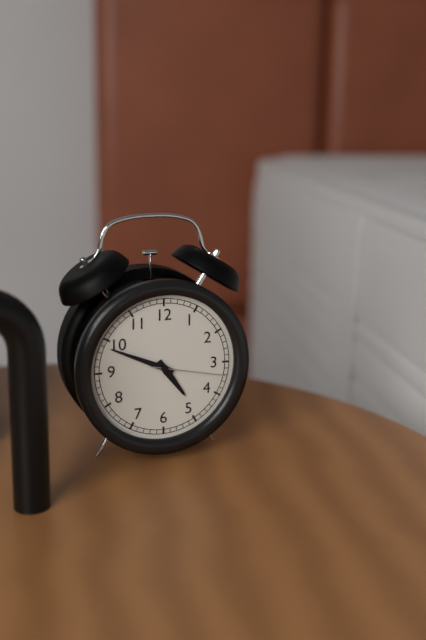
**4:49:17**
